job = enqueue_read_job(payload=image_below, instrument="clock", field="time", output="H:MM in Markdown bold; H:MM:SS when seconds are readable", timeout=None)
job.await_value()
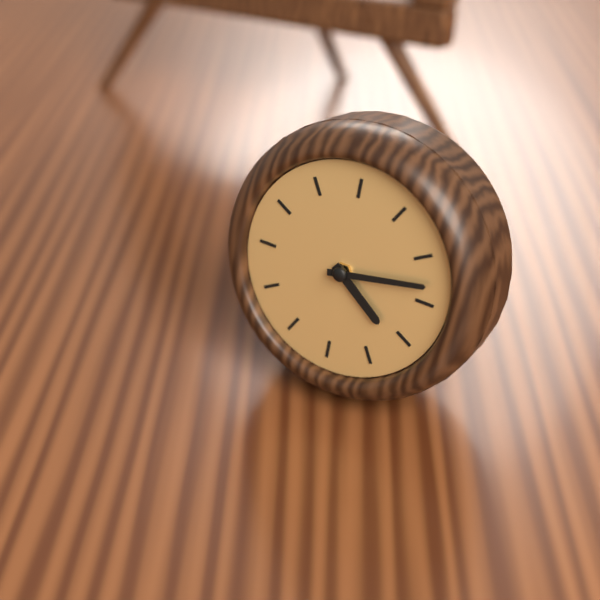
**4:13**
